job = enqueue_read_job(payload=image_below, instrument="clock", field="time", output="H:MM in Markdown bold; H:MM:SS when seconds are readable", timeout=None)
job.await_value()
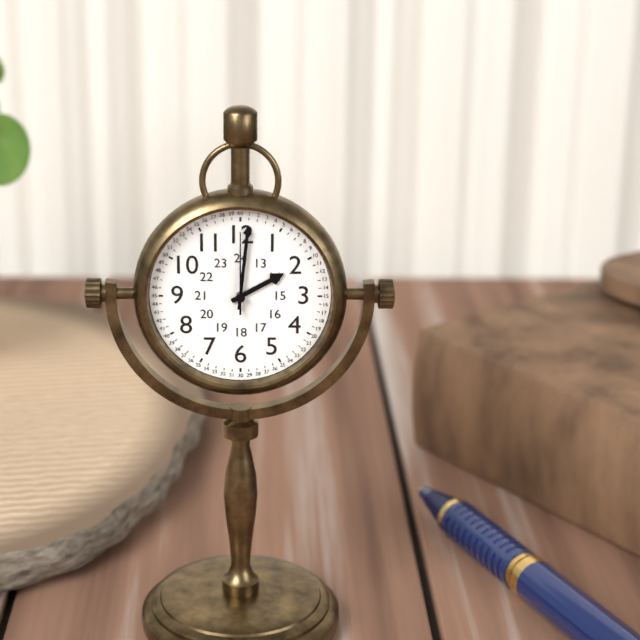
**2:01:00**
